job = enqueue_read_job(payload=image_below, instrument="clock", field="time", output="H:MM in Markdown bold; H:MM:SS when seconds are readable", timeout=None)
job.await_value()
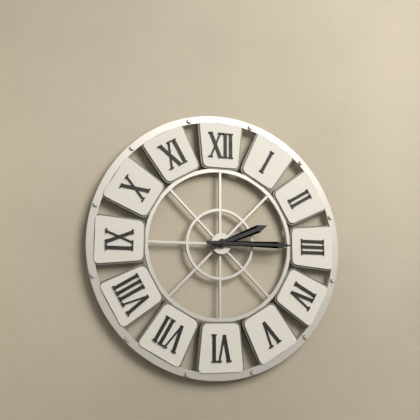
**2:15**
